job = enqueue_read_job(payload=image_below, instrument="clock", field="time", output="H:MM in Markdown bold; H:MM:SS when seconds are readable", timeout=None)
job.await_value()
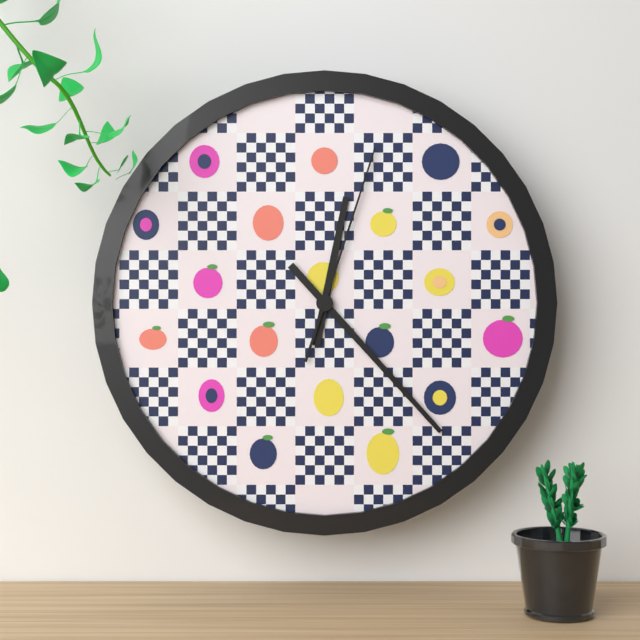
**12:23:03**
